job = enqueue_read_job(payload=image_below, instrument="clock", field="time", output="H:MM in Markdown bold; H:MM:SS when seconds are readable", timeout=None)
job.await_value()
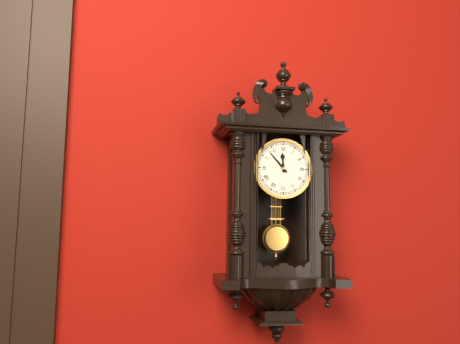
**11:53**
